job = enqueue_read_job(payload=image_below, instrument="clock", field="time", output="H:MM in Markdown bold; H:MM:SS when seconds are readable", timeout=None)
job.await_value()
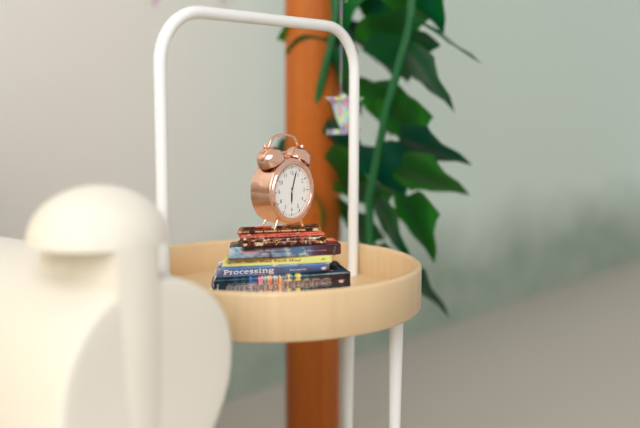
**6:03**
